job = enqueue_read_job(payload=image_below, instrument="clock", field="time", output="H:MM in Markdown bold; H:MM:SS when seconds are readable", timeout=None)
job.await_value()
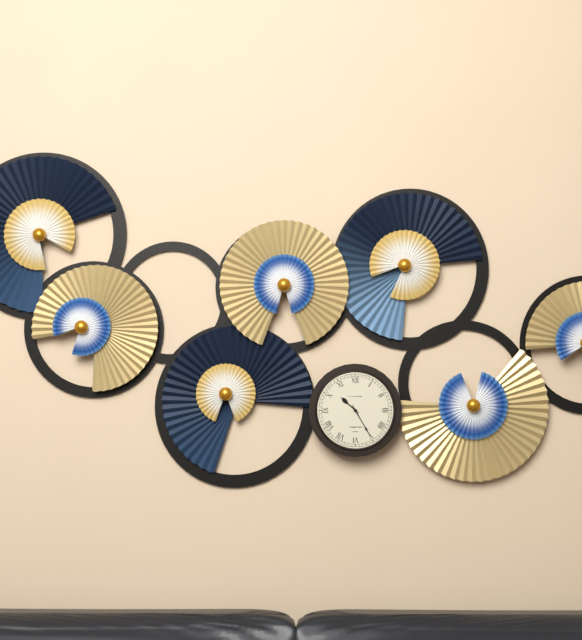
**10:25**
